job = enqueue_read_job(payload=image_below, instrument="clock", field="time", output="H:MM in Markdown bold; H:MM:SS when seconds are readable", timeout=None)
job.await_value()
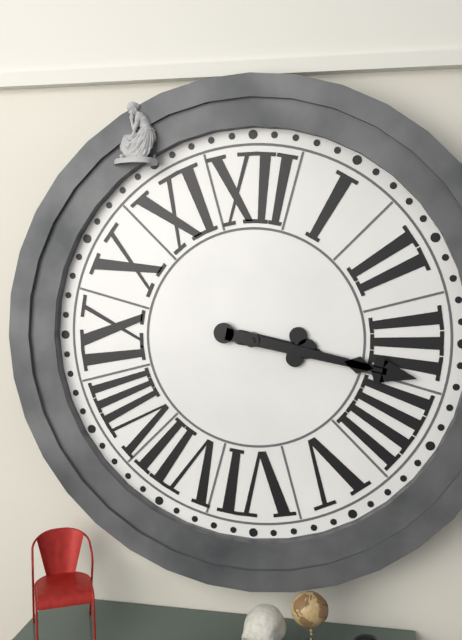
**3:17**
